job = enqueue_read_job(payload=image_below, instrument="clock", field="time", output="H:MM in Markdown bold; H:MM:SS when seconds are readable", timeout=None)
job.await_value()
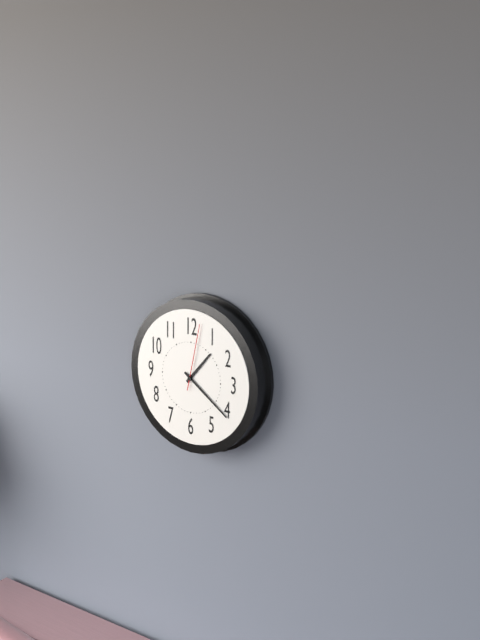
**1:21:02**
